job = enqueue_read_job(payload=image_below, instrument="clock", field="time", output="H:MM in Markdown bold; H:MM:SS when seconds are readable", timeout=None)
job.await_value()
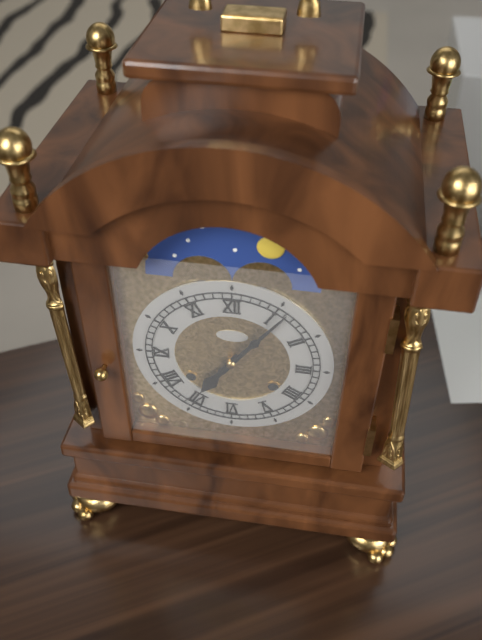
**7:06**
